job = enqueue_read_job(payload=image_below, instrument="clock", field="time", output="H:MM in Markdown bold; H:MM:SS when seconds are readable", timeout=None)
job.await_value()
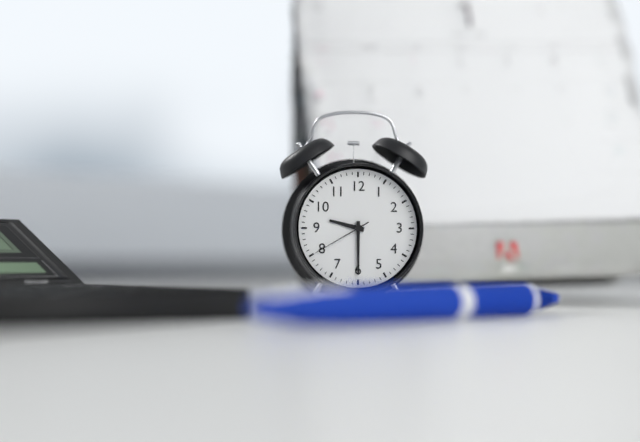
**9:30:40**
